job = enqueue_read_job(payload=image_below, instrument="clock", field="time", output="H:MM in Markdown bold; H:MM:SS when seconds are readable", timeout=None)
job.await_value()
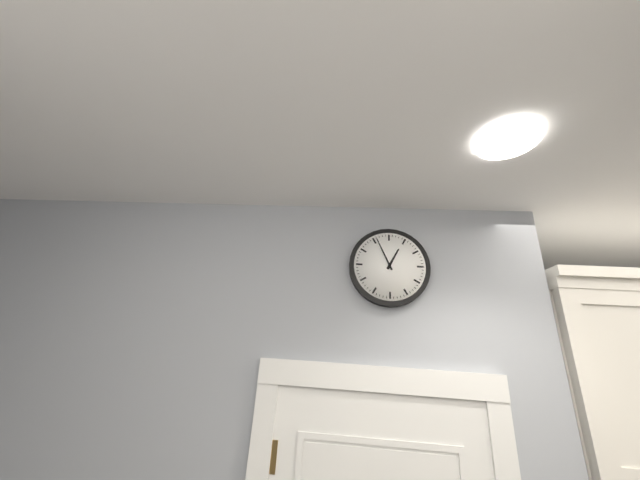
**12:56**
